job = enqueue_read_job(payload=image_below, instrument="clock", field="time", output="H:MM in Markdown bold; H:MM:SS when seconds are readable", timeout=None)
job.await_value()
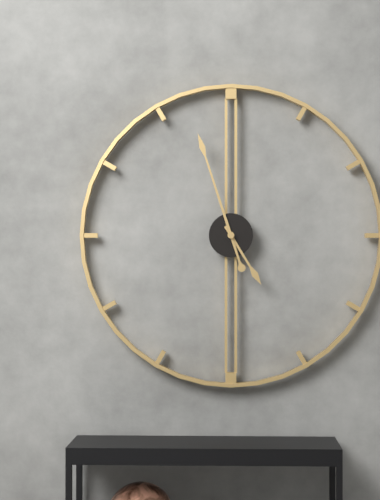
**4:57**
